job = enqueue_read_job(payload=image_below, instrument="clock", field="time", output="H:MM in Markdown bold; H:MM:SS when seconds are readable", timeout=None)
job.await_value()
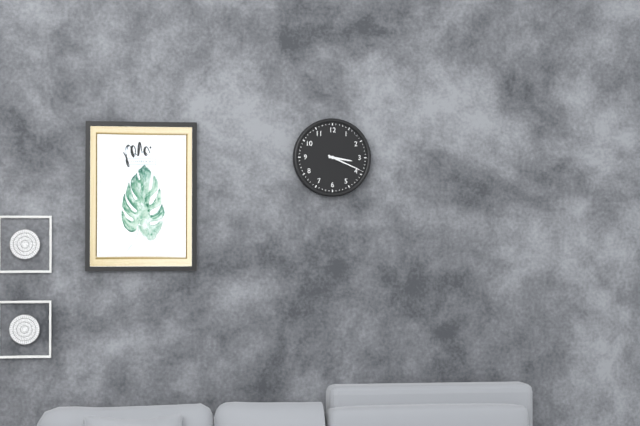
**3:19**
